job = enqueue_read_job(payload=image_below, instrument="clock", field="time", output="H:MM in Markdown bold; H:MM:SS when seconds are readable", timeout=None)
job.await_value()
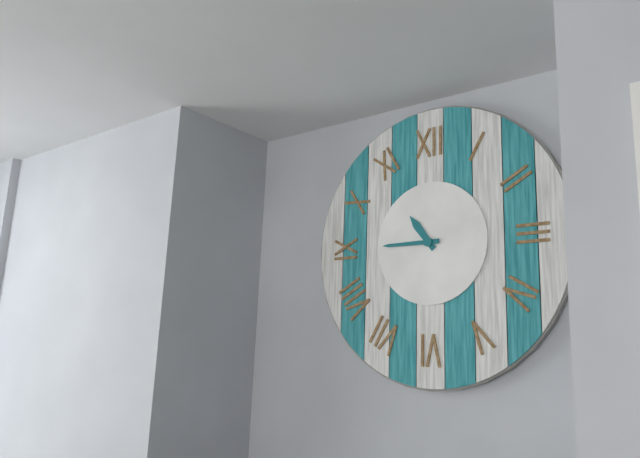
**10:45**
